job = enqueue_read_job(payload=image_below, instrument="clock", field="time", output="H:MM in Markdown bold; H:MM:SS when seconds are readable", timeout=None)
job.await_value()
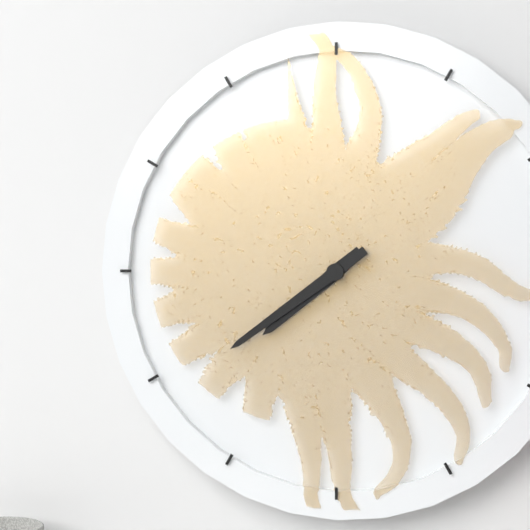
**7:39**
